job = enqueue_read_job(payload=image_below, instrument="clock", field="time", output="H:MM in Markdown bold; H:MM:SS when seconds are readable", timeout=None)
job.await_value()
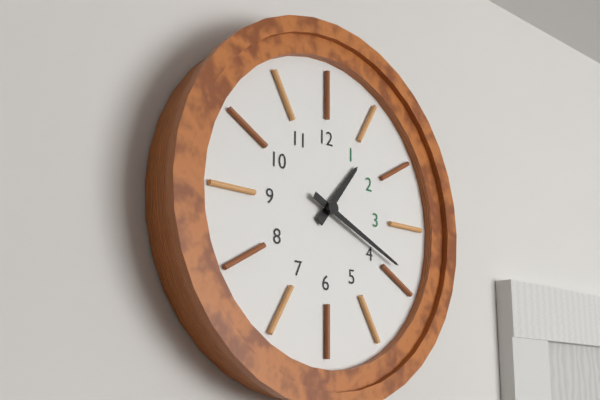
**1:19**
